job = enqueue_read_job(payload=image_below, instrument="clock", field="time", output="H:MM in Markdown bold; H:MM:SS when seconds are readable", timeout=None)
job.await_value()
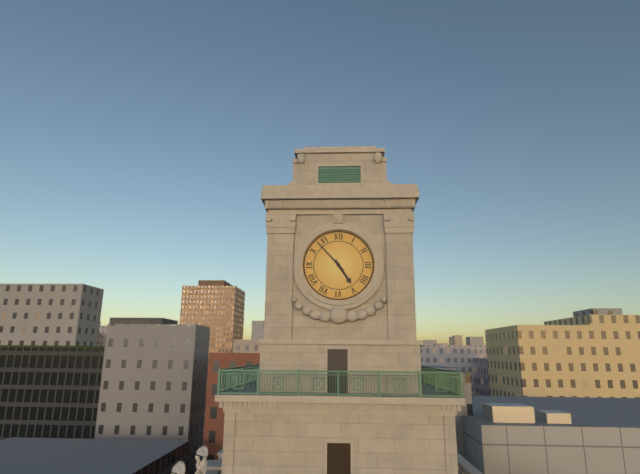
**4:53**
